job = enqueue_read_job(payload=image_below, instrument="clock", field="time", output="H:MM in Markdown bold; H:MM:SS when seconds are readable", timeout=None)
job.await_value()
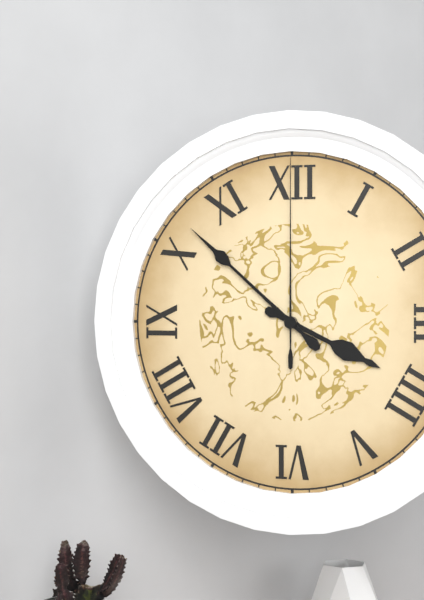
**3:52:00**
